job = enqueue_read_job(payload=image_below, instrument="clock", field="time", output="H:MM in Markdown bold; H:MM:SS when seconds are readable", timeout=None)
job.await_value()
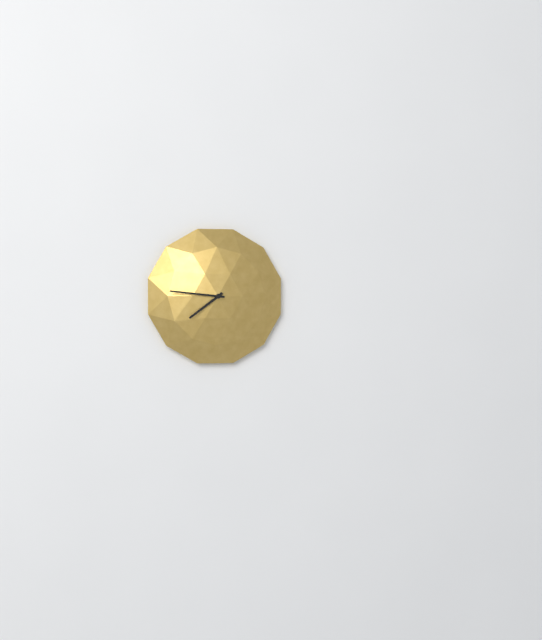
**7:46**
